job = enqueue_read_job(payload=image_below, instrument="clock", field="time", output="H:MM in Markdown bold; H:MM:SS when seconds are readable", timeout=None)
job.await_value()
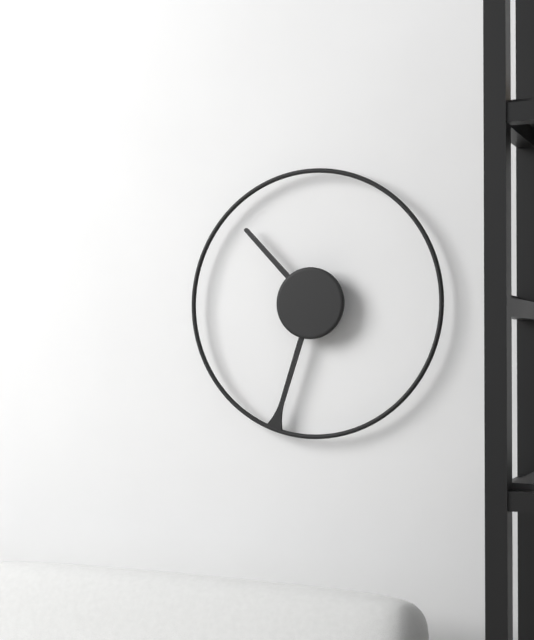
**10:33**
